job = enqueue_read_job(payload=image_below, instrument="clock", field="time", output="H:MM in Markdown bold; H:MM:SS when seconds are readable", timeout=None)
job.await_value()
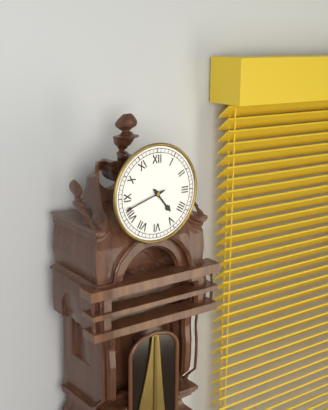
**4:42**
